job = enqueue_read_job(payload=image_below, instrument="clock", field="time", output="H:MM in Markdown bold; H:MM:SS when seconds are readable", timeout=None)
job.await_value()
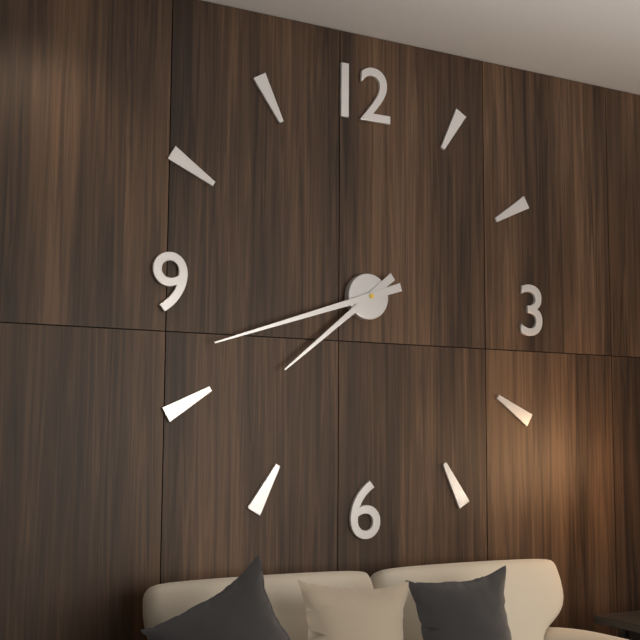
**7:42**
